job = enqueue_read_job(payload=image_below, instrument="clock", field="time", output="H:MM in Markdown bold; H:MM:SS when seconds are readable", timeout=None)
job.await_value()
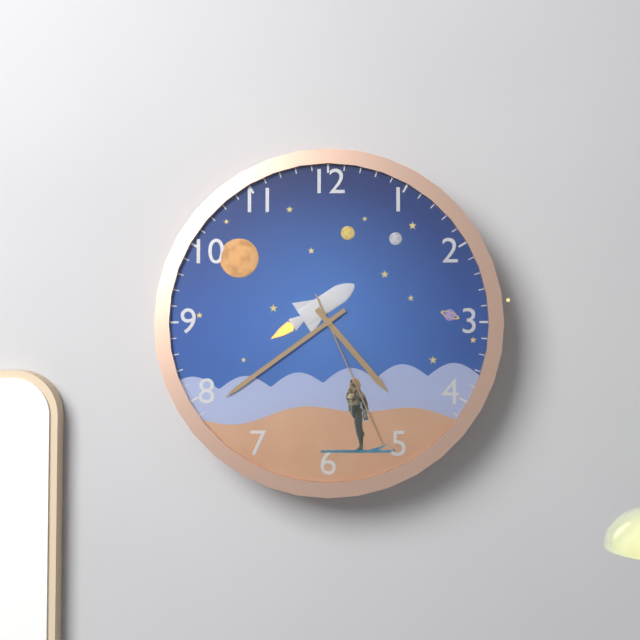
**4:39:26**
